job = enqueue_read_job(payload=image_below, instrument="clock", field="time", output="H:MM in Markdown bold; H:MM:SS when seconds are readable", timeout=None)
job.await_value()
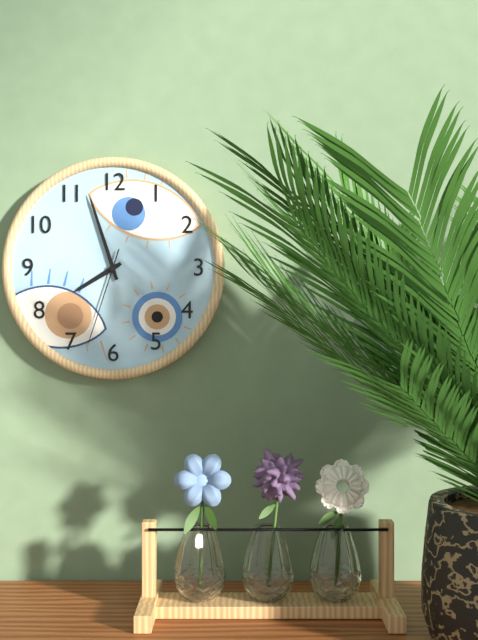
**7:57:33**
